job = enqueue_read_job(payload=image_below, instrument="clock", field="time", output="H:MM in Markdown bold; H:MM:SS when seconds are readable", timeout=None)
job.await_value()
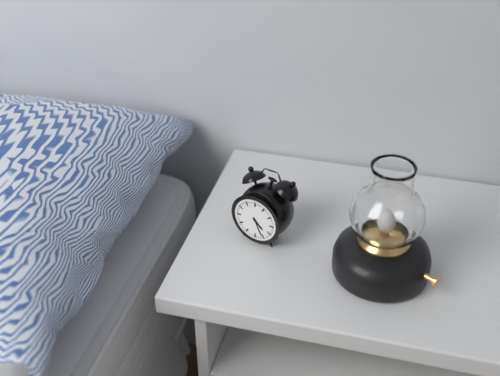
**4:26**
